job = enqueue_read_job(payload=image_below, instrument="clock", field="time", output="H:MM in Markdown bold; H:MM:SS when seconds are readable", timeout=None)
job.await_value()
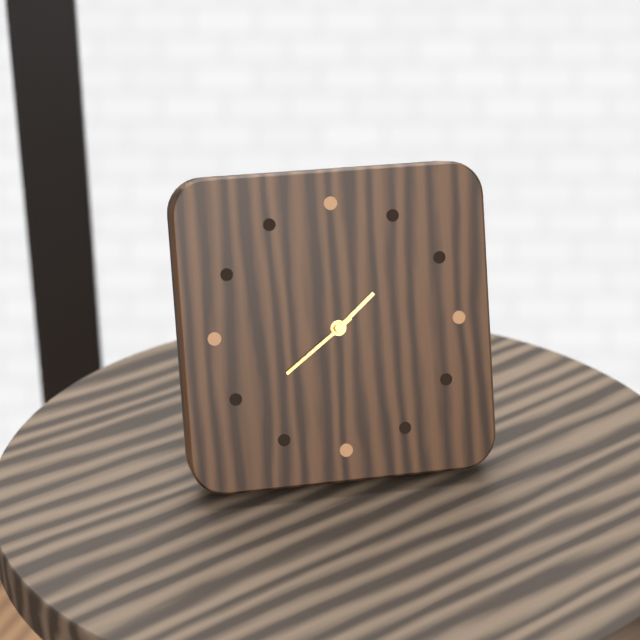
**1:39**
